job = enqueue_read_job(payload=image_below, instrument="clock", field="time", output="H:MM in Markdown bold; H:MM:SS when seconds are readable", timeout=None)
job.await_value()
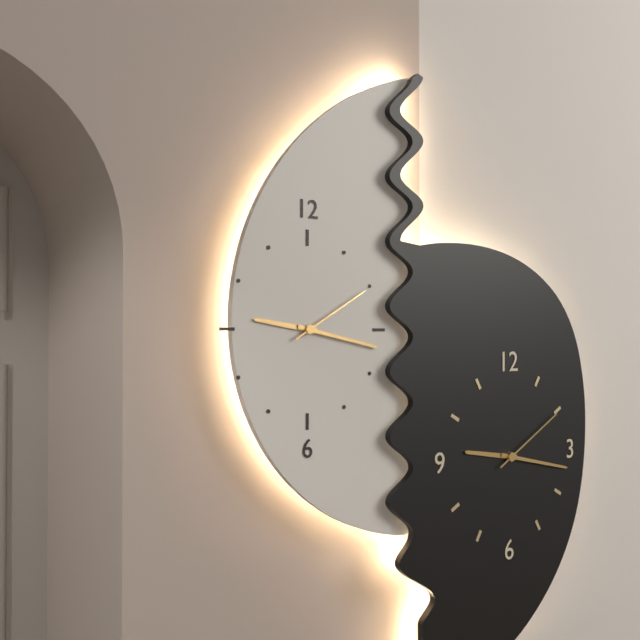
**9:17:10**
